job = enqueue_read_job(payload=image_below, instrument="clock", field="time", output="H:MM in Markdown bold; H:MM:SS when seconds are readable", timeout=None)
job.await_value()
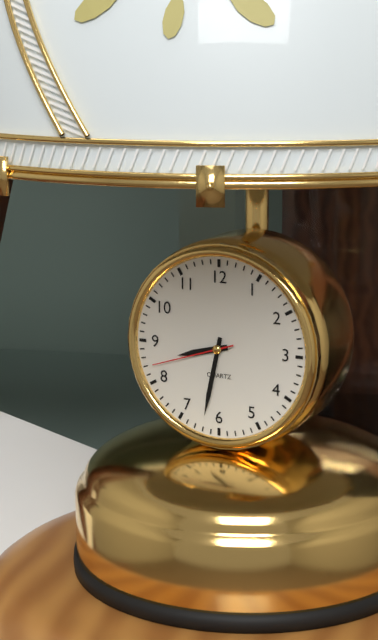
**8:32:42**
